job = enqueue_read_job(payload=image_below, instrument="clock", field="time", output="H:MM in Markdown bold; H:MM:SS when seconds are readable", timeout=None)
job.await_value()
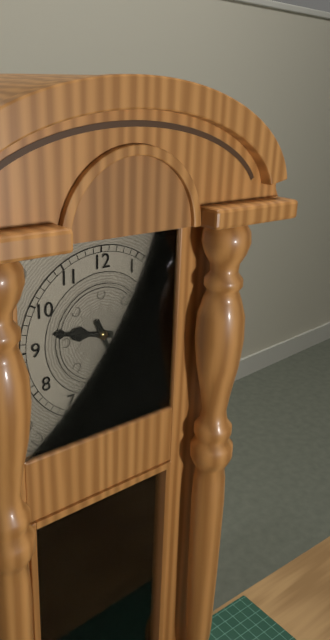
**9:26**
